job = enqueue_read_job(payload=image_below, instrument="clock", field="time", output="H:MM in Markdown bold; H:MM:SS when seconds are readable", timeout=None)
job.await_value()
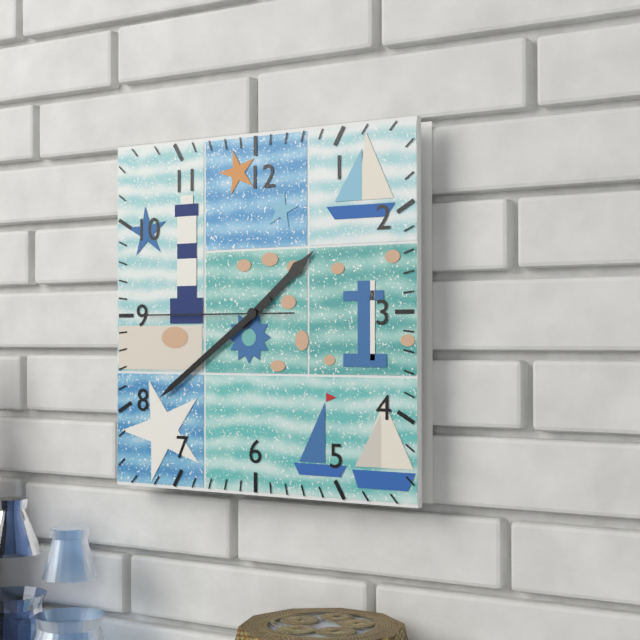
**1:39:45**
